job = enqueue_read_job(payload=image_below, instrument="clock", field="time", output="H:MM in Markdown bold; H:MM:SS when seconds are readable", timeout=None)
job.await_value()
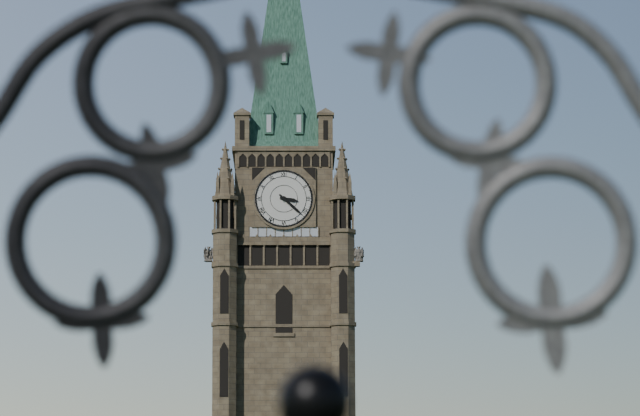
**3:22**
